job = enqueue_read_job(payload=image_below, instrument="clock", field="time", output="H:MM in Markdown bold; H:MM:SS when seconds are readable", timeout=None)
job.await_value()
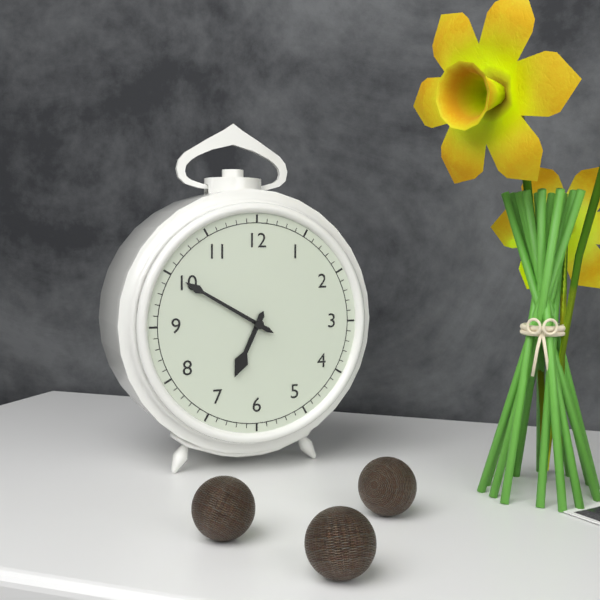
**6:50**
